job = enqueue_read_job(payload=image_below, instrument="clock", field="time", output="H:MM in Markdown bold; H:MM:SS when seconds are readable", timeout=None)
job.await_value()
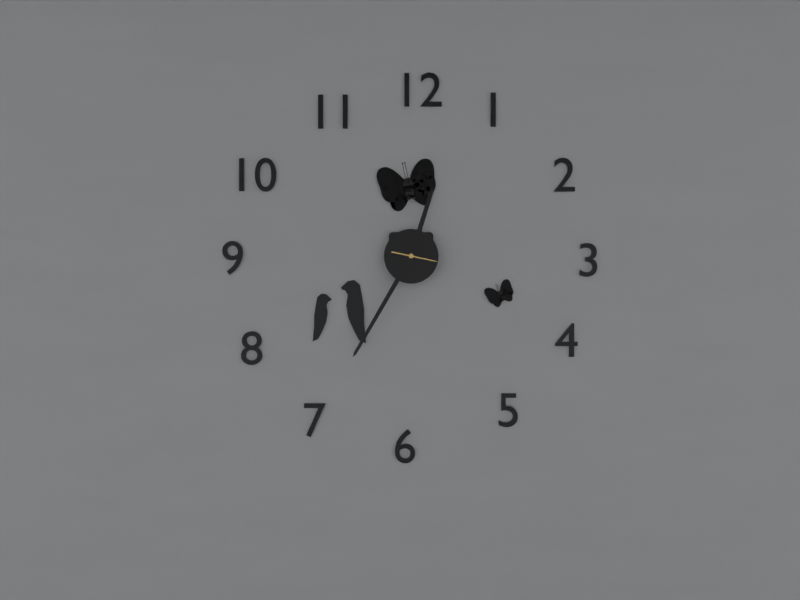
**12:35**
